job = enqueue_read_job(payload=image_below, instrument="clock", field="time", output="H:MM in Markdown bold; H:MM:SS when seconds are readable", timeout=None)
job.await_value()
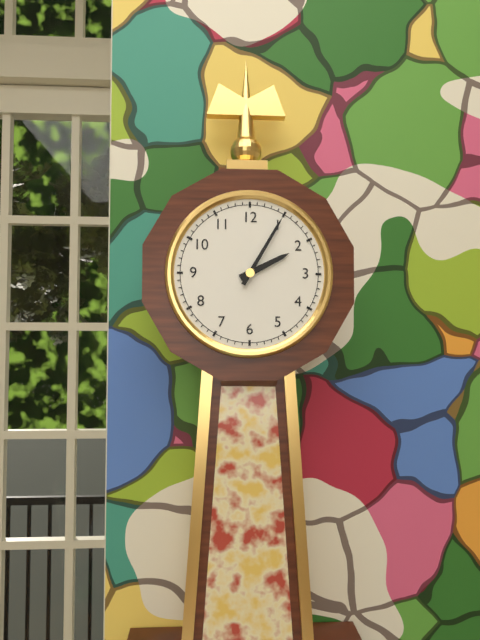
**2:05**
